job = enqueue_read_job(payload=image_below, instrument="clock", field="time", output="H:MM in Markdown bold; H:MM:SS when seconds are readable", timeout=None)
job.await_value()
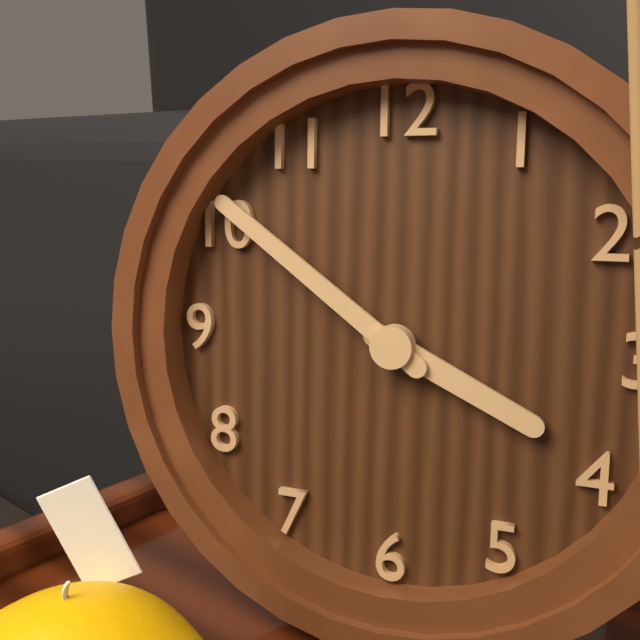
**3:51**
